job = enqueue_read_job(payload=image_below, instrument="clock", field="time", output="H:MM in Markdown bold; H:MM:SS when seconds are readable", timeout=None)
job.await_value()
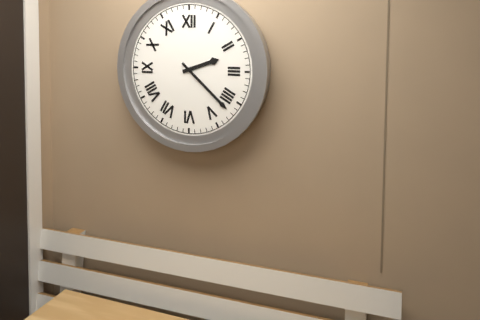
**2:22**
